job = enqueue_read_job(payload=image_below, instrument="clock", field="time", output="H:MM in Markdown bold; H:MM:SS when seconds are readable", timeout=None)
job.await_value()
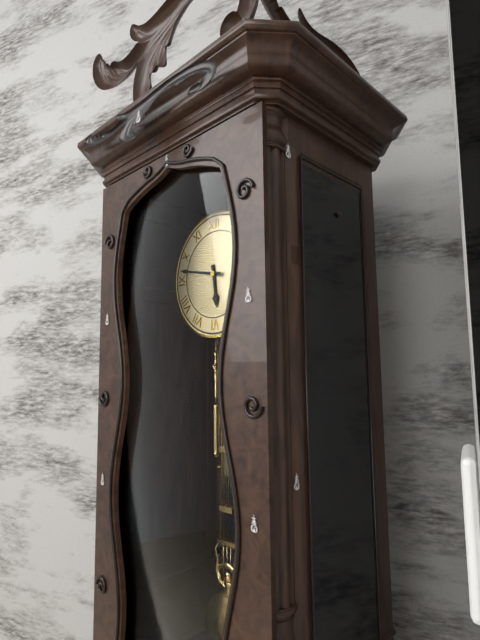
**5:47**
